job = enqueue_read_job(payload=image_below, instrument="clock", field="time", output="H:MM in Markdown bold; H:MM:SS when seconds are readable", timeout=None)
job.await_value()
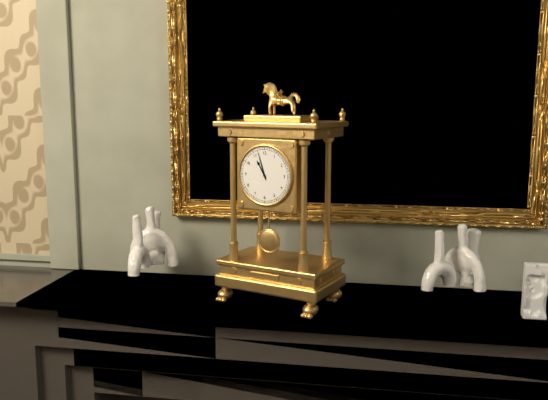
**10:57**
